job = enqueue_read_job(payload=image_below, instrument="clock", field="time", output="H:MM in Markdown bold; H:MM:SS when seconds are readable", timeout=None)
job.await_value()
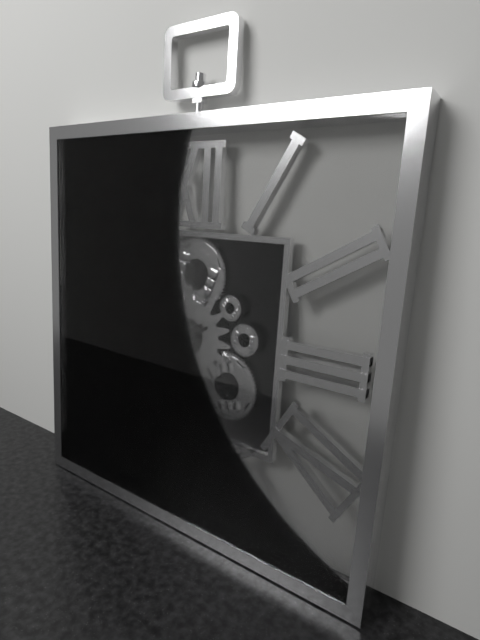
**7:40**
